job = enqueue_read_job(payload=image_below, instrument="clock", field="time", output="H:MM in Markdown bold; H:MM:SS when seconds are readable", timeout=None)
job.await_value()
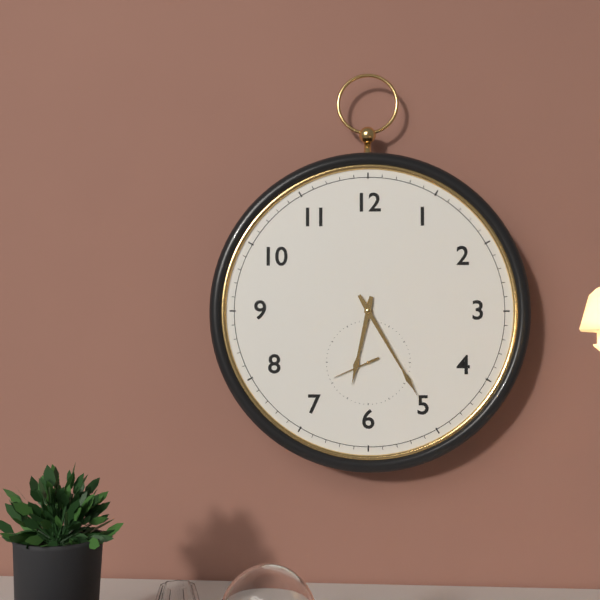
**6:25**
